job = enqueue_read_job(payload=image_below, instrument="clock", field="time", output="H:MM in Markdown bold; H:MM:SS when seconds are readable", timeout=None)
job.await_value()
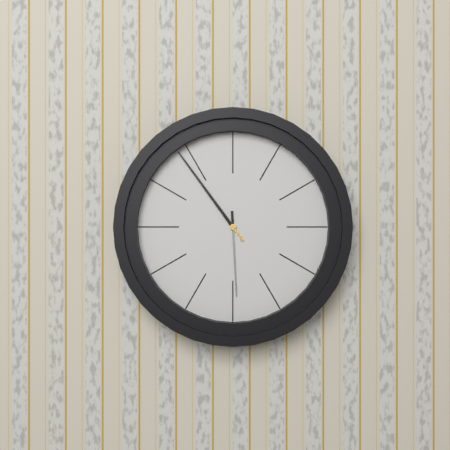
**5:54**
